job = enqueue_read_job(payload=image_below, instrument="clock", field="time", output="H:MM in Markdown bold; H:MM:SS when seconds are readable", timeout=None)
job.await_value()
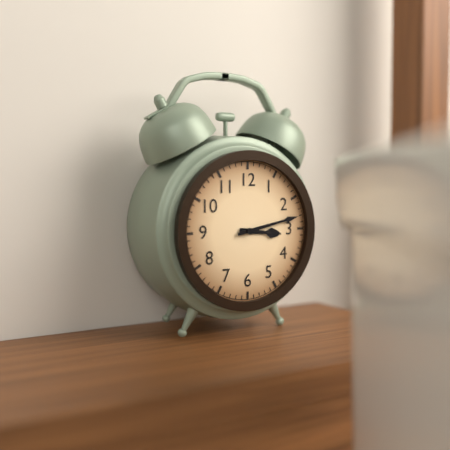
**3:13**
